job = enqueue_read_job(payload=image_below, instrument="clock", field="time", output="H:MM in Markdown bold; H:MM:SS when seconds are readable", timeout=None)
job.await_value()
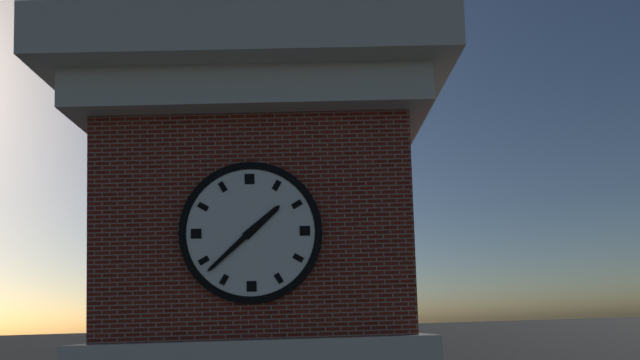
**1:38**
